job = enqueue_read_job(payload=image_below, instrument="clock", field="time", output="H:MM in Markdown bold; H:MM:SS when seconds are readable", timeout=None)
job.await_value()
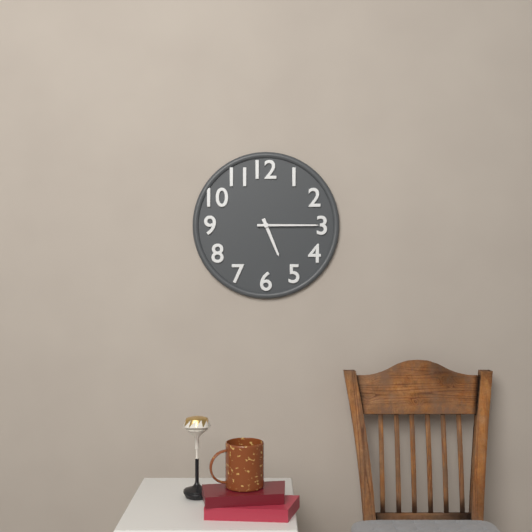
**5:15**
